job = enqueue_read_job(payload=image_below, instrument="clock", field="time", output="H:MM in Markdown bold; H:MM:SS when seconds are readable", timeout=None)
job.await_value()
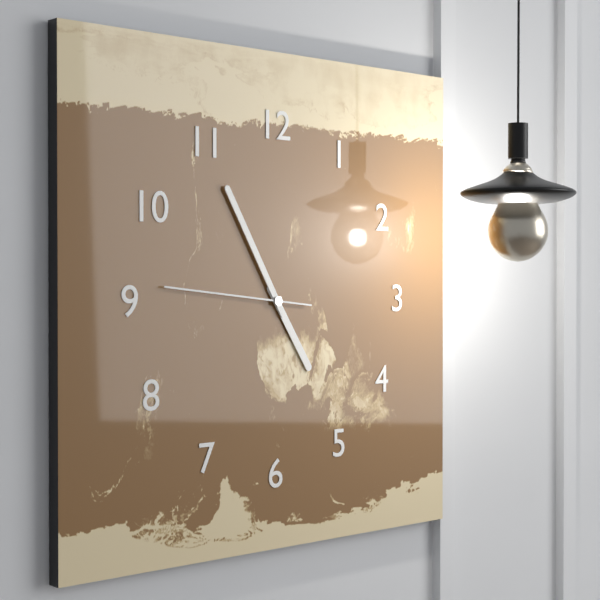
**4:55:46**
